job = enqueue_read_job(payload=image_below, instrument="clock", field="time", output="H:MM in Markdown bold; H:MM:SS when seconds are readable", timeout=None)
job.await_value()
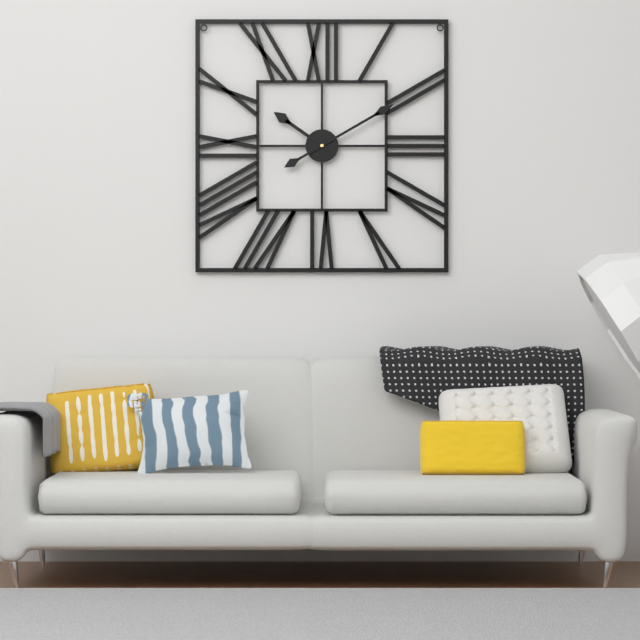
**10:10**
